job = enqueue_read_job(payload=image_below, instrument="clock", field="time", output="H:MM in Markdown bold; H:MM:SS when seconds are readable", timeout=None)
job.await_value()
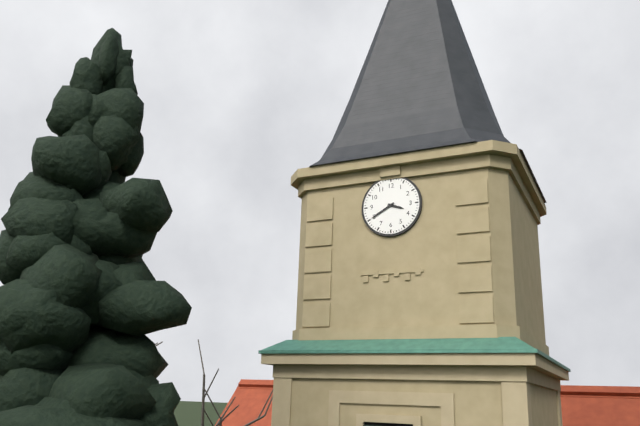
**3:40**
